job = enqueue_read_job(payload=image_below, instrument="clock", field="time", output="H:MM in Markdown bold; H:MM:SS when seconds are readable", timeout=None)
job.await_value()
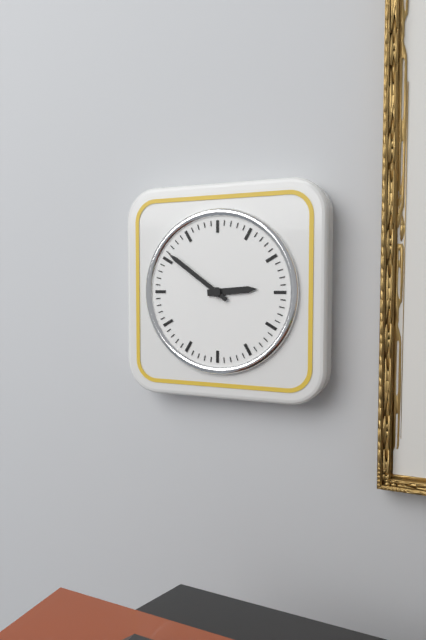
**2:51**
